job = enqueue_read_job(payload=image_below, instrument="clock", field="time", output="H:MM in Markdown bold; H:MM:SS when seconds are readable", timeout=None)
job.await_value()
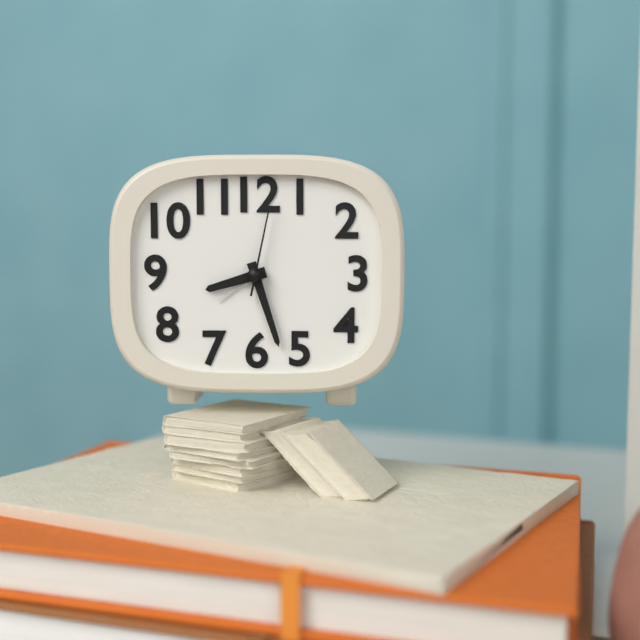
**8:27:02**
